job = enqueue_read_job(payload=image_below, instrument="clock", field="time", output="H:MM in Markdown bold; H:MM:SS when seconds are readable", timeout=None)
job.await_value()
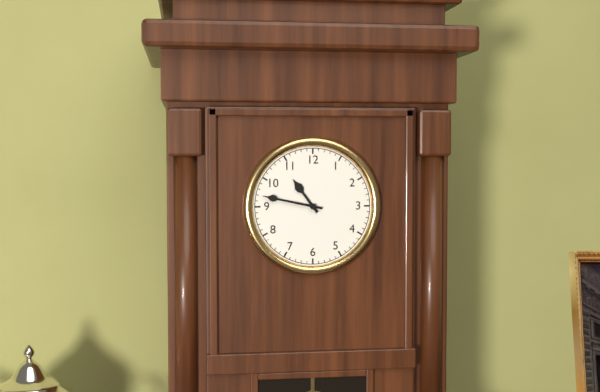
**10:47**
